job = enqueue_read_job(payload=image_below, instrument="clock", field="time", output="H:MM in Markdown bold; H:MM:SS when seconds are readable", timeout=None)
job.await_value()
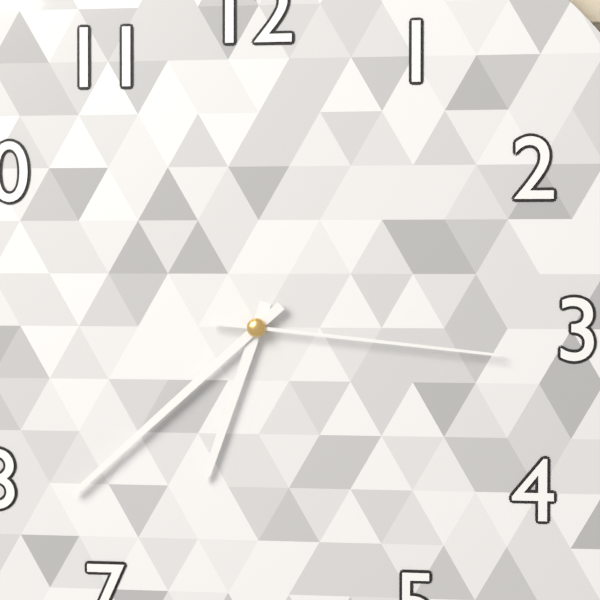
**6:38:16**
